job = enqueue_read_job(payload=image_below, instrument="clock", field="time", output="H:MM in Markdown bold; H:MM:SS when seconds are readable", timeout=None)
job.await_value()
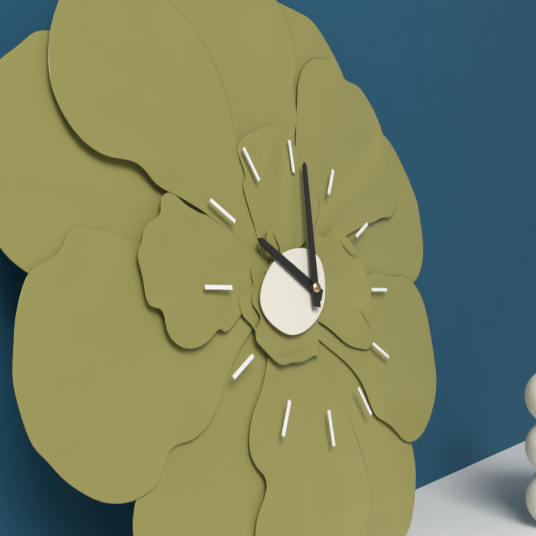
**10:01**
